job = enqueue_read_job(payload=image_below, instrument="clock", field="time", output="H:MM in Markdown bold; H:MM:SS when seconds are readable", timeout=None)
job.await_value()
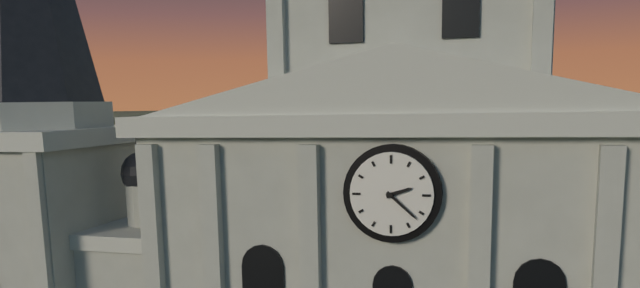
**2:22**
